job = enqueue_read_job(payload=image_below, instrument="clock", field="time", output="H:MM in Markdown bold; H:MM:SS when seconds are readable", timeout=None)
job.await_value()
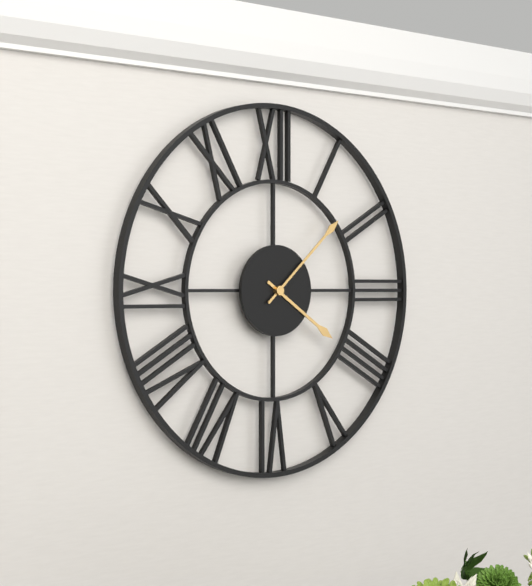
**4:08**
